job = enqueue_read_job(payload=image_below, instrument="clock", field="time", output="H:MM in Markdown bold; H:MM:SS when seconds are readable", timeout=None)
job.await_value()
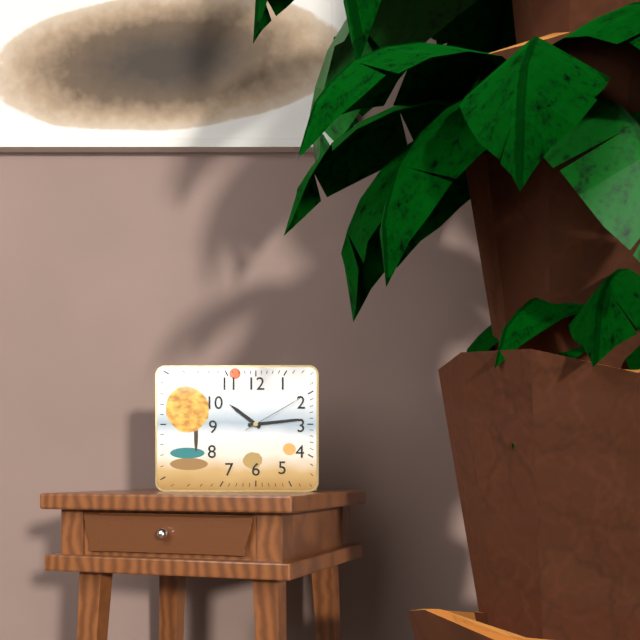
**10:14:10**
